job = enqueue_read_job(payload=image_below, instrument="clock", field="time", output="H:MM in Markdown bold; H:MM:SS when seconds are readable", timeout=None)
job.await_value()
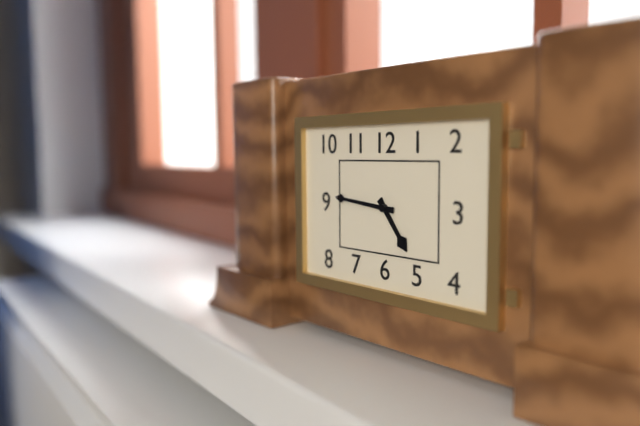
**4:46**
